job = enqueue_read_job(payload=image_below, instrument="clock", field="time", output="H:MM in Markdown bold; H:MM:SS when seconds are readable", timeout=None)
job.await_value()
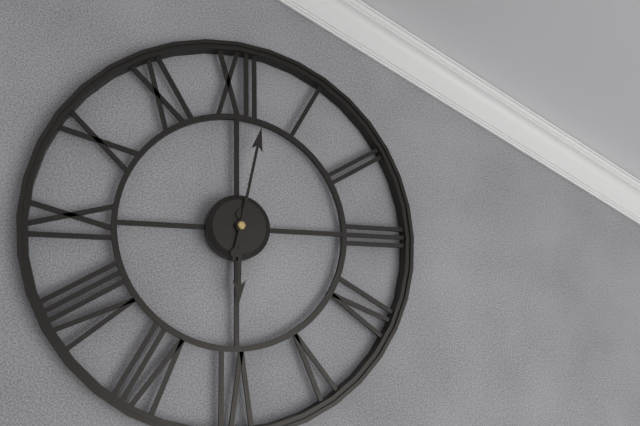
**6:02**
